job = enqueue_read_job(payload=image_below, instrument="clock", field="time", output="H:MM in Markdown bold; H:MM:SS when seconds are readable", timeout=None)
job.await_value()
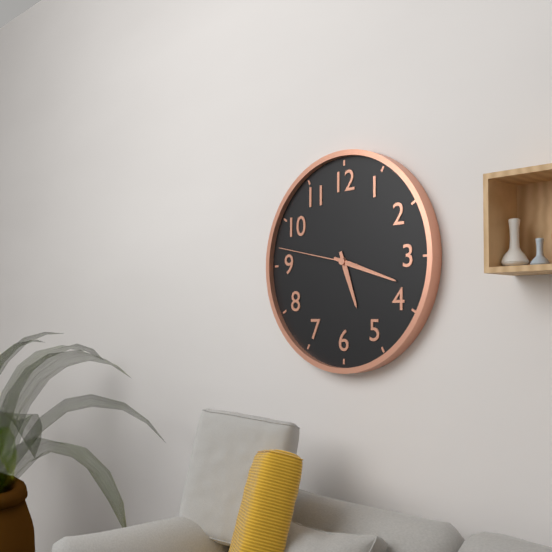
**5:18:47**
